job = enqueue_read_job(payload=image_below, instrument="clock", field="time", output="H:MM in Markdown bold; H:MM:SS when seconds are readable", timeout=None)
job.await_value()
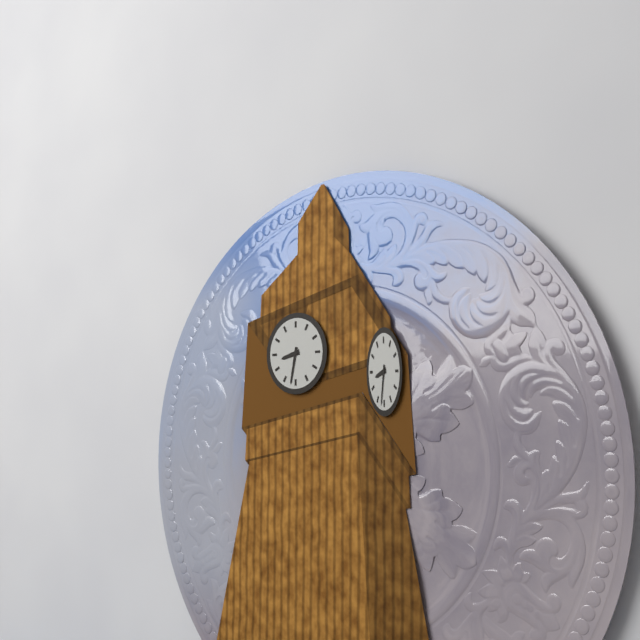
**8:32**
